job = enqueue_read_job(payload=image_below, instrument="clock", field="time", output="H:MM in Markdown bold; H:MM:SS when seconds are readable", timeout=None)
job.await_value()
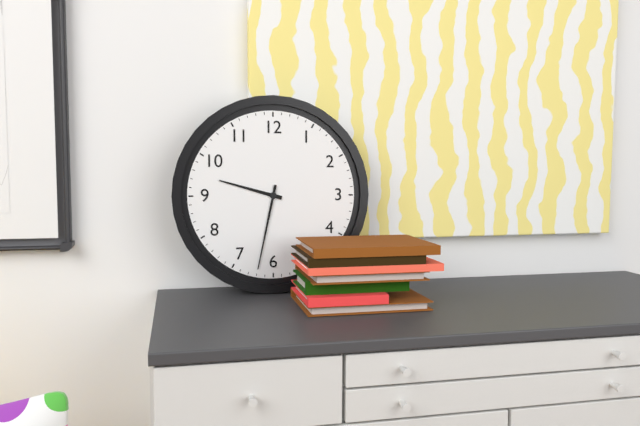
**9:32**
